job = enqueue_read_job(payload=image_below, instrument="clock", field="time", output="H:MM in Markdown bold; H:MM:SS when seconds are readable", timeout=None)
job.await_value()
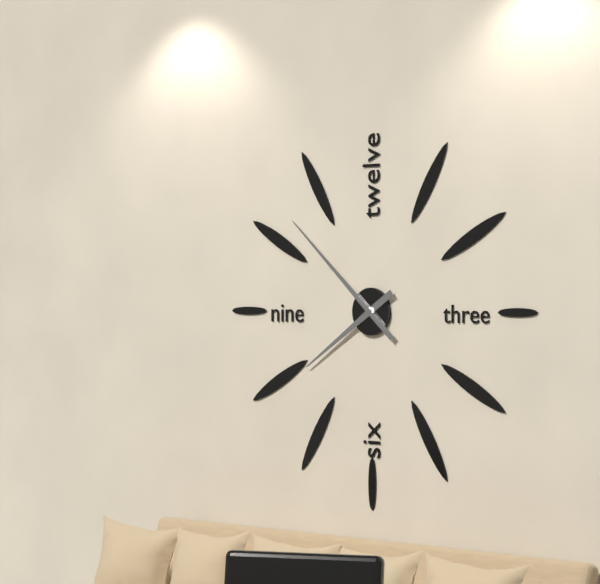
**7:52**
